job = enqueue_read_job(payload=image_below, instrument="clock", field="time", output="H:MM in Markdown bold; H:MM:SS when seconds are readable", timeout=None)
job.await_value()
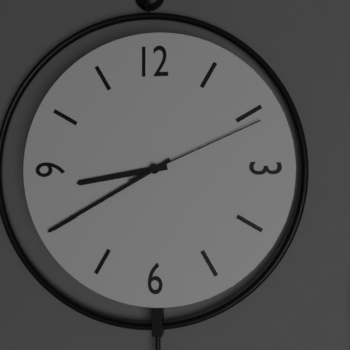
**8:40:11**
